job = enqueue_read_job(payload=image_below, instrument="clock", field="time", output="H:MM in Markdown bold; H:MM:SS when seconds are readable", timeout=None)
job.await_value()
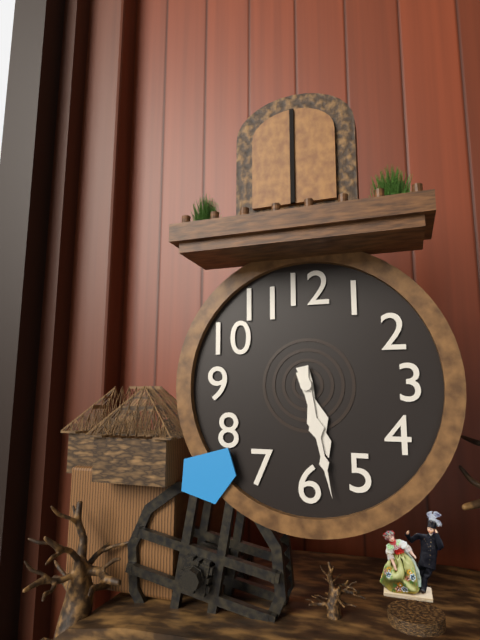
**5:28**
